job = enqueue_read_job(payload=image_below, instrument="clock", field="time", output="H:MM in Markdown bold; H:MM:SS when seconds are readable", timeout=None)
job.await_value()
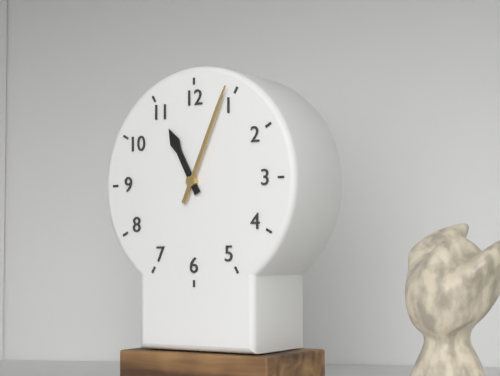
**11:04**
